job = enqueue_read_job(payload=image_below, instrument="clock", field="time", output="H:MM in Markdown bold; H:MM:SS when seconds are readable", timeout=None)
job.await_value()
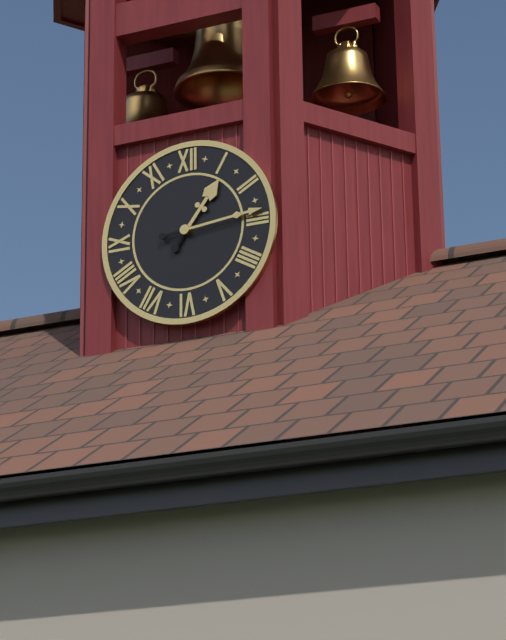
**1:14**
